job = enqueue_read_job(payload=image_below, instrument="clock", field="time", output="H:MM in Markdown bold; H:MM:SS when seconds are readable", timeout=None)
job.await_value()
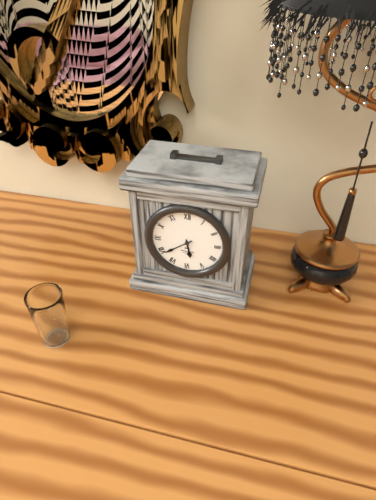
**5:39**
